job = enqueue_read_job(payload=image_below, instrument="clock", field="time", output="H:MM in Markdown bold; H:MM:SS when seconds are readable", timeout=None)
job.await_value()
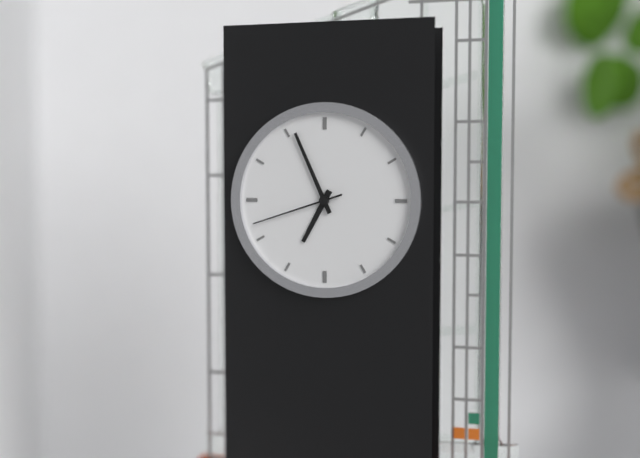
**6:56:42**
